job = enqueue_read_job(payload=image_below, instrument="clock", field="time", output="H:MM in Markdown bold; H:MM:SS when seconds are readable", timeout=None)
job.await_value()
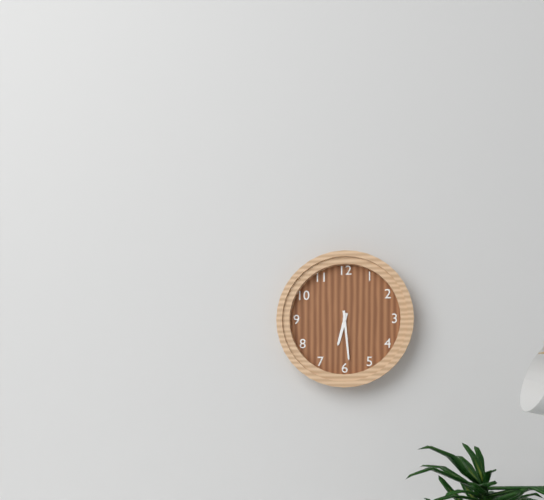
**6:29**
